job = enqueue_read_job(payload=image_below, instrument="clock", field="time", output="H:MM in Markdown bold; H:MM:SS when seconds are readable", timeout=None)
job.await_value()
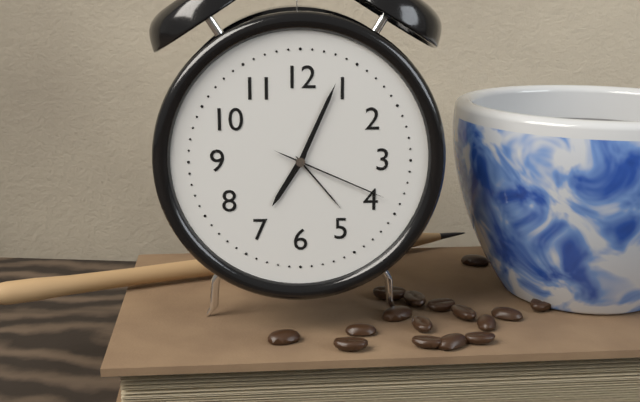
**7:04:19**
